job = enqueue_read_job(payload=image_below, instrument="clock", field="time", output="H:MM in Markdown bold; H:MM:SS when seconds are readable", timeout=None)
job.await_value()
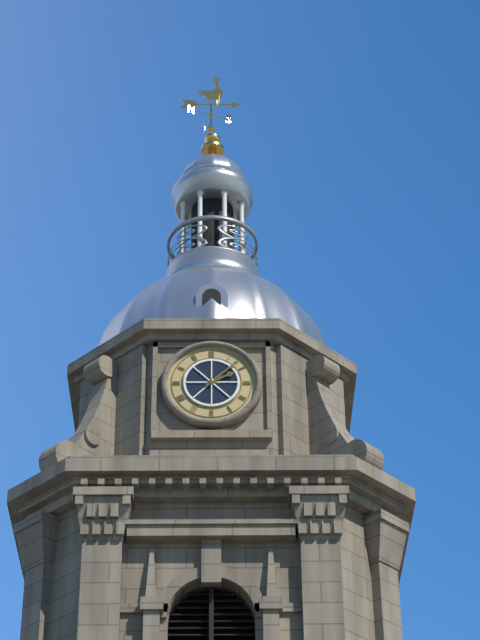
**2:08**
